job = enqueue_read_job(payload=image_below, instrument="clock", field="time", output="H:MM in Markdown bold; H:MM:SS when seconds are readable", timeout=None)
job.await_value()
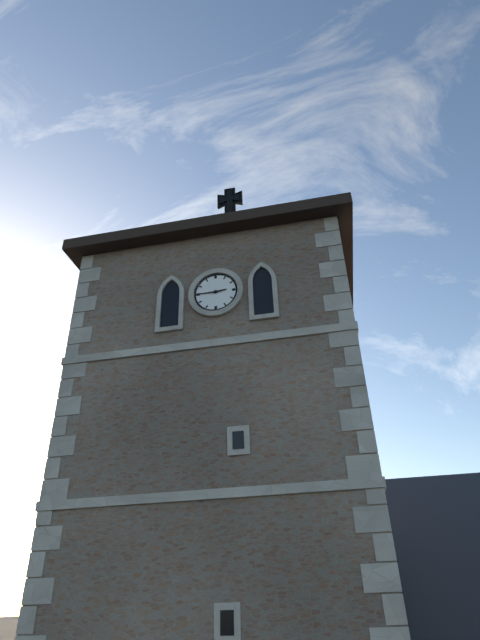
**2:45**
